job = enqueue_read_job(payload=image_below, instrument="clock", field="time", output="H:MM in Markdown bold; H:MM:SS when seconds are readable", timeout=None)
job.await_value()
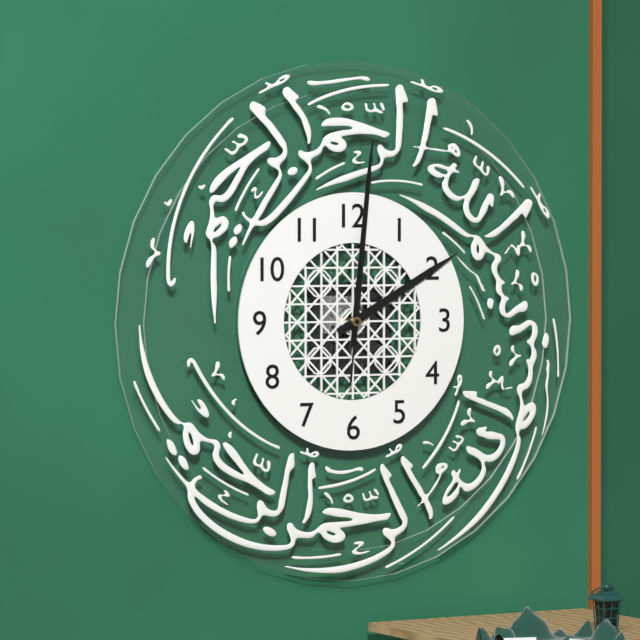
**2:01:01**
